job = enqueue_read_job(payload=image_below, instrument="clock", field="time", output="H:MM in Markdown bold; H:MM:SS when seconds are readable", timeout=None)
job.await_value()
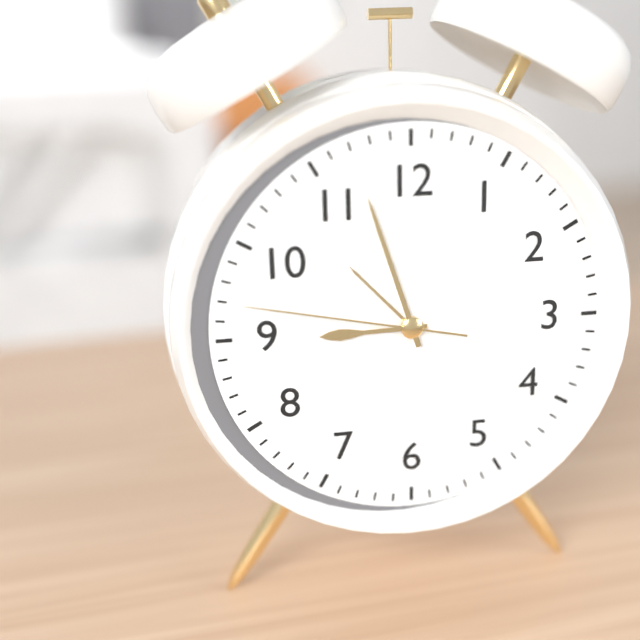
**8:57:47**
